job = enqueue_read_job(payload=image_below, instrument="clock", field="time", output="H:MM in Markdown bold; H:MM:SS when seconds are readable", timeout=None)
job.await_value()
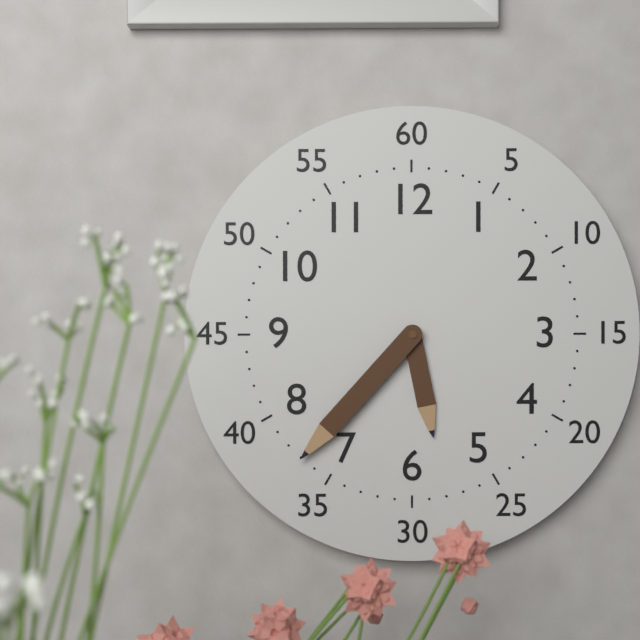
**5:37**
